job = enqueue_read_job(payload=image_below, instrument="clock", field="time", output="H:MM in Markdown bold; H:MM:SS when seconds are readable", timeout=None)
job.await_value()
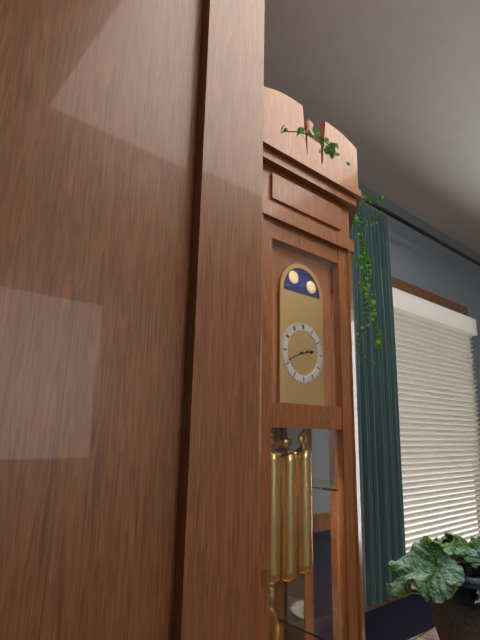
**2:41**
